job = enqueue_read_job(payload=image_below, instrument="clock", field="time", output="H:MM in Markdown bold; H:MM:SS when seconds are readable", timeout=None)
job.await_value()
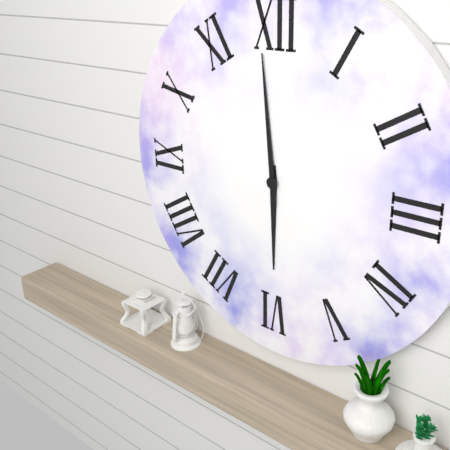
**5:59**
